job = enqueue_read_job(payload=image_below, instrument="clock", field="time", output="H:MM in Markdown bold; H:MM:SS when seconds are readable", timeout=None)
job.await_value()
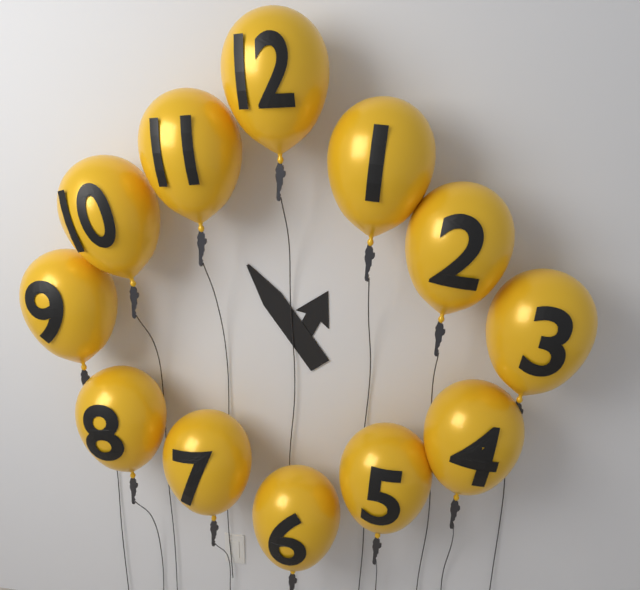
**12:54**
